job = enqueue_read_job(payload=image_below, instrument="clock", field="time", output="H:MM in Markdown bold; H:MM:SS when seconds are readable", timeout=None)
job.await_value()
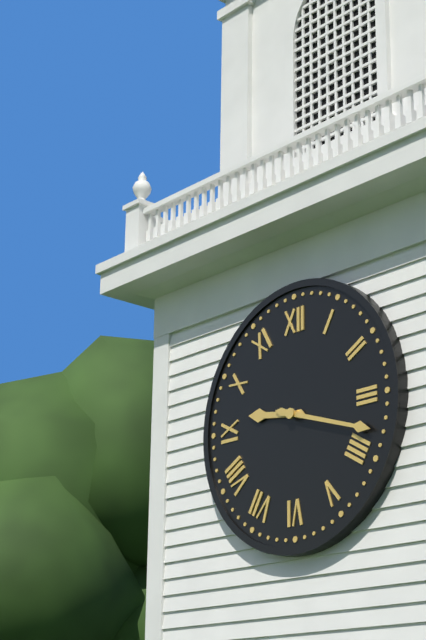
**9:18**
